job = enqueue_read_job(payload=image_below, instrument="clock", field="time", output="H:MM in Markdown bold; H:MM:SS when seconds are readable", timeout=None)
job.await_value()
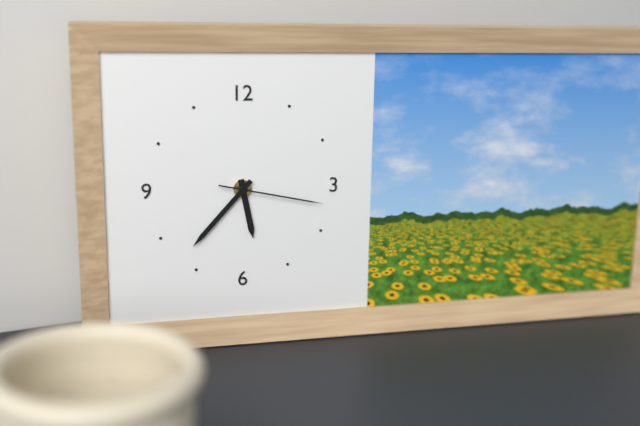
**5:37:17**
